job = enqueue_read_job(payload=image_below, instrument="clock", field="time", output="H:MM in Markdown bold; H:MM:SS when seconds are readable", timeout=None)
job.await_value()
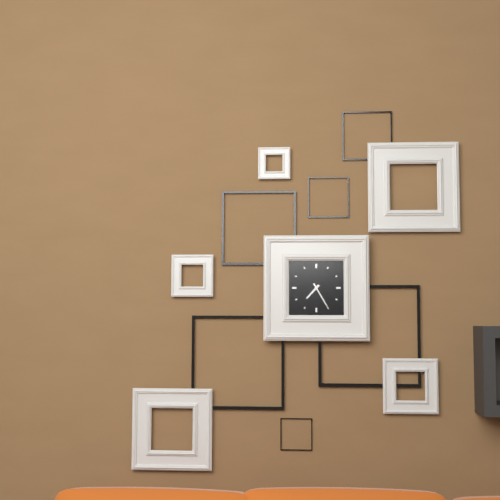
**7:25**
